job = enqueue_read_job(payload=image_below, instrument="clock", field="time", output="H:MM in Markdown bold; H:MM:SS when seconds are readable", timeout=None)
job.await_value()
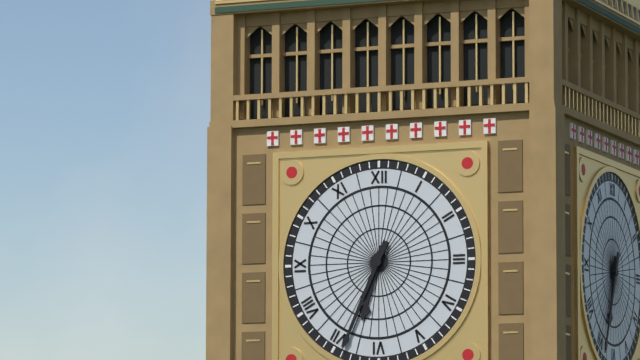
**6:34**
